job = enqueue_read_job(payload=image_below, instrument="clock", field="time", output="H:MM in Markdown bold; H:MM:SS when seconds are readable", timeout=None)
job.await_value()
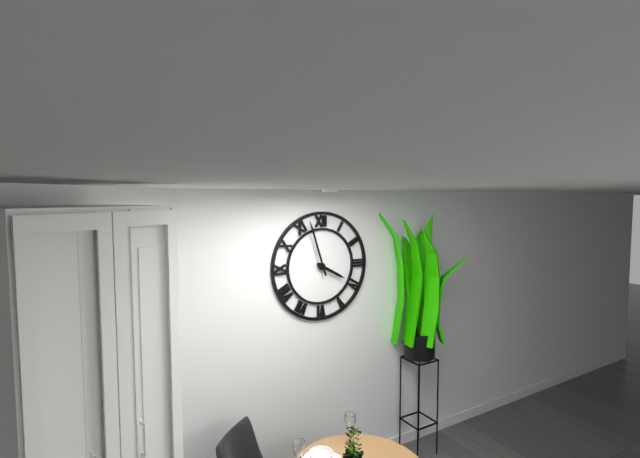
**3:57**
